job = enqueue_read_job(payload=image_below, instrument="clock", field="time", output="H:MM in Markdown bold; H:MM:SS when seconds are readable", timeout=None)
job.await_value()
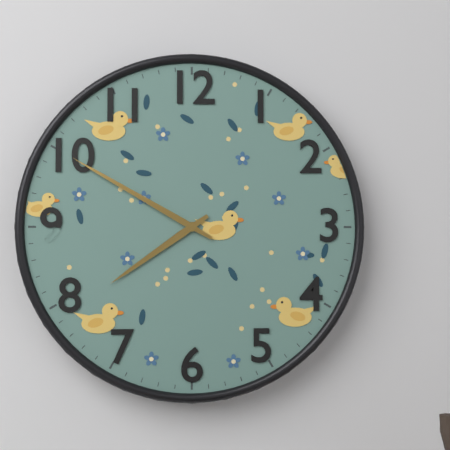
**7:50**
